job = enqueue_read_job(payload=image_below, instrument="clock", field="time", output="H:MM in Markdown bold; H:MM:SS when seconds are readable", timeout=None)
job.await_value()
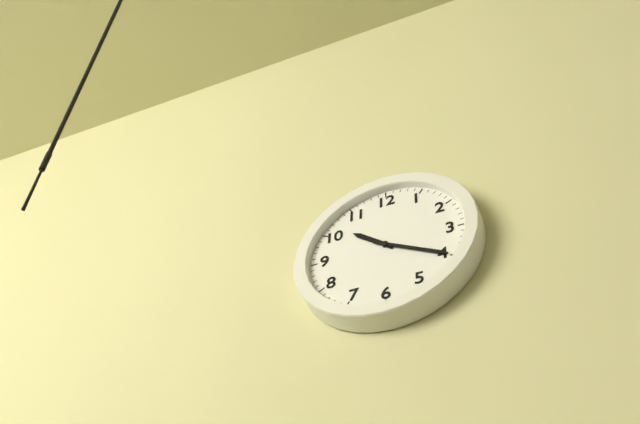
**10:20**
